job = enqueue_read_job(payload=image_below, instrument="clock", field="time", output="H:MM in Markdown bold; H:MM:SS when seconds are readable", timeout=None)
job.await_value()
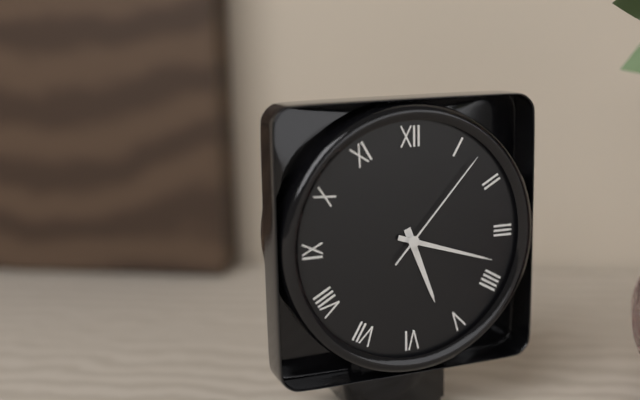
**5:18:07**
